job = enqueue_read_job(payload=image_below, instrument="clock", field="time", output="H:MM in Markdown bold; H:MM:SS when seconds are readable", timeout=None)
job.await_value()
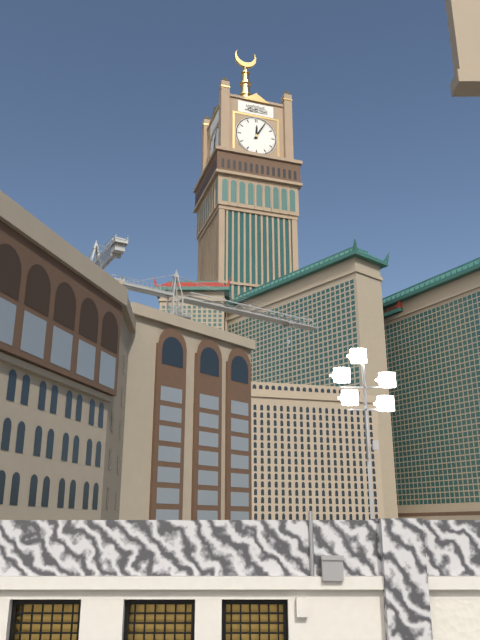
**12:05**
